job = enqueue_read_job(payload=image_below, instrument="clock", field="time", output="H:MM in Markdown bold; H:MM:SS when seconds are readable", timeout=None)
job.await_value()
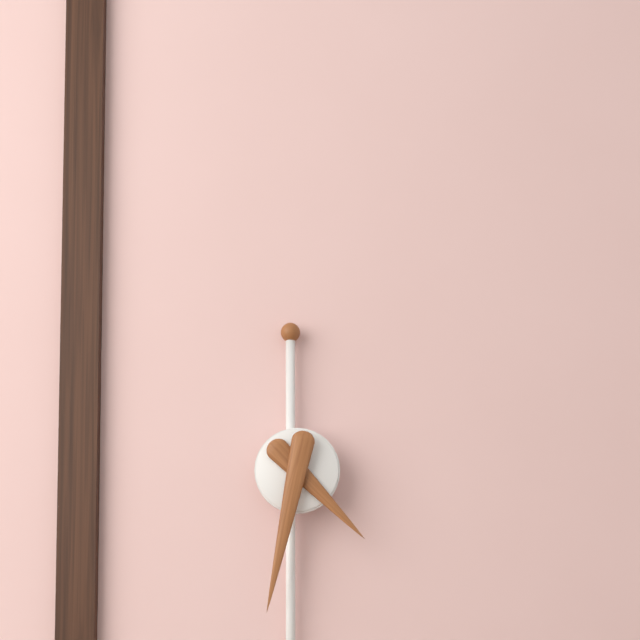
**4:32**
